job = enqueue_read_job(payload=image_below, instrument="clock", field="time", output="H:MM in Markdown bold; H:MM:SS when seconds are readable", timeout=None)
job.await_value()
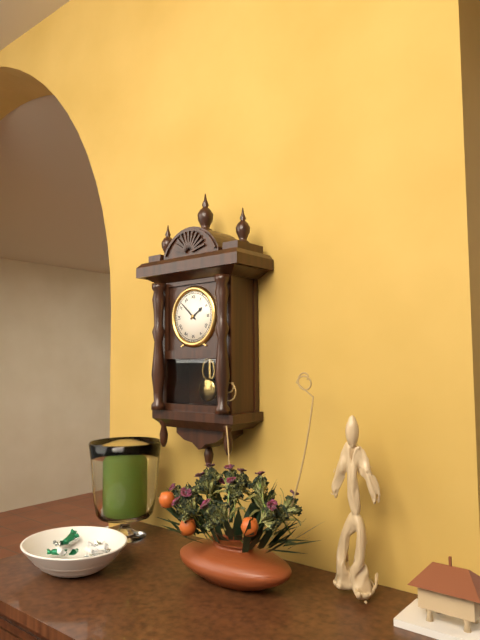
**1:52**
